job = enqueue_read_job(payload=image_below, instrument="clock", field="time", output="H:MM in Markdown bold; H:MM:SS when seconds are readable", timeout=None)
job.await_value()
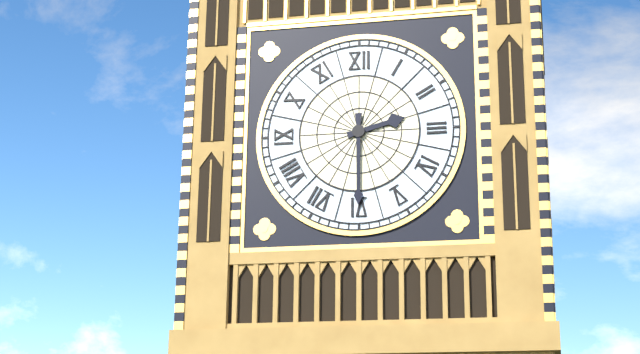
**2:30**
